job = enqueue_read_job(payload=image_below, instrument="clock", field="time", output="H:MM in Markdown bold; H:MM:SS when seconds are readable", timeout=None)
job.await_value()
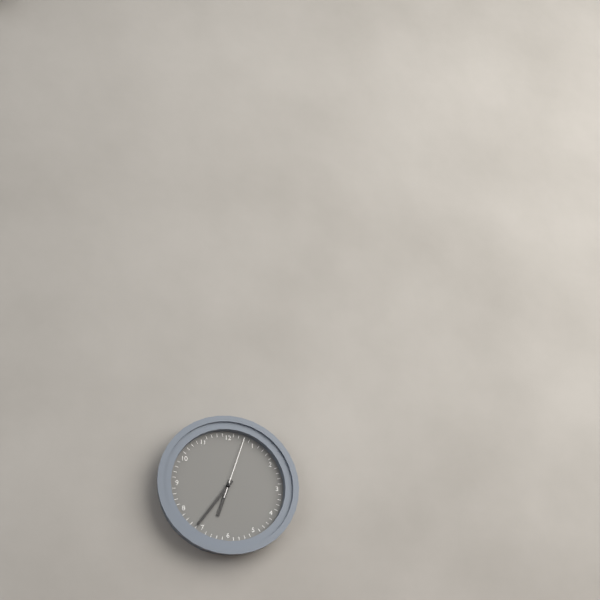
**6:36:03**
